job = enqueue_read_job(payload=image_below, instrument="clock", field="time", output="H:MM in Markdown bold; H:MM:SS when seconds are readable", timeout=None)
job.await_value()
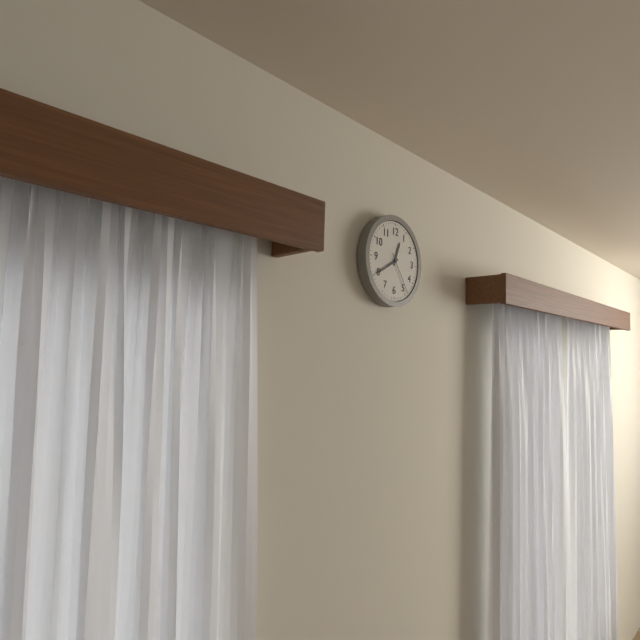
**12:40**
